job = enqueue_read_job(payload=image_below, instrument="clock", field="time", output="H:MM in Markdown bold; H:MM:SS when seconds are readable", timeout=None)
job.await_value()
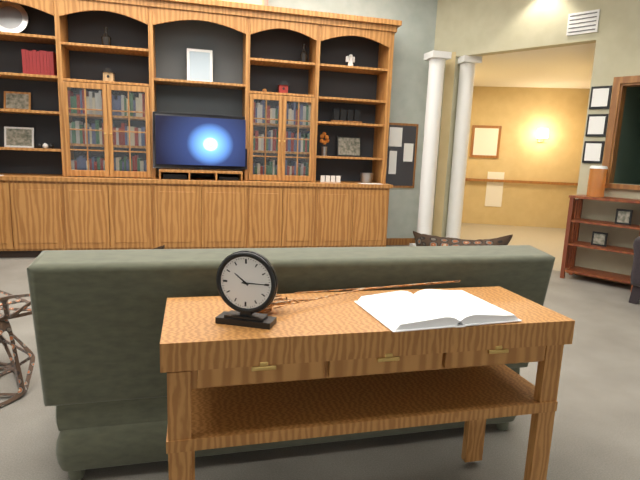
**10:15**
